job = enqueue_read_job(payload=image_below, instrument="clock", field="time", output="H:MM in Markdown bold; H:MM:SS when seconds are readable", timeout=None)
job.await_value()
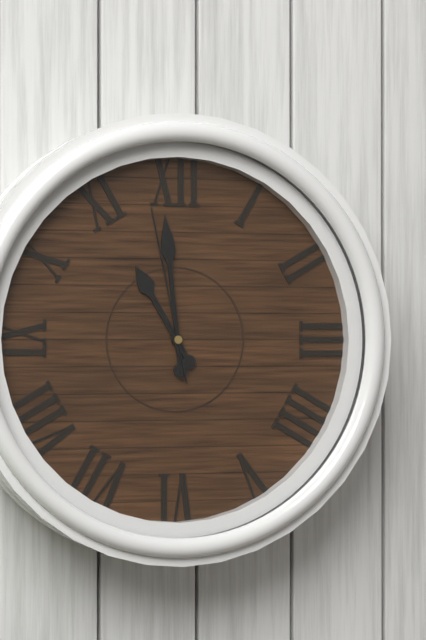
**10:59:58**
